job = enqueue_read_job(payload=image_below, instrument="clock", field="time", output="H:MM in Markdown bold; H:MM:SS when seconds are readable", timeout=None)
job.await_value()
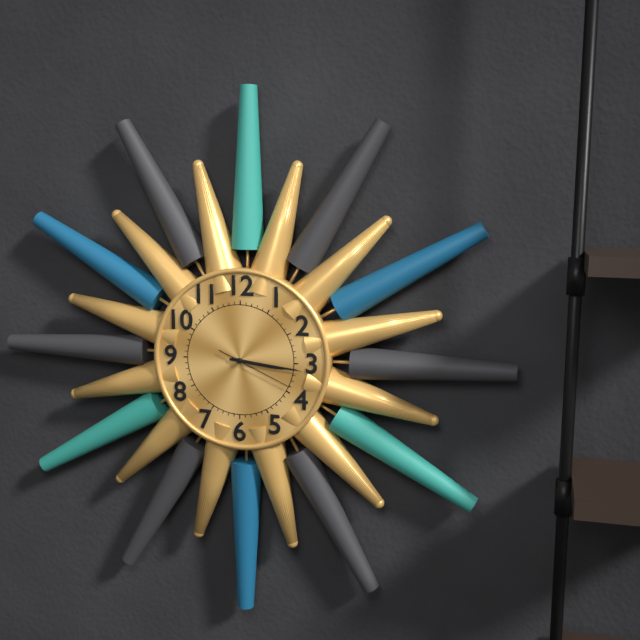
**3:16:19**
